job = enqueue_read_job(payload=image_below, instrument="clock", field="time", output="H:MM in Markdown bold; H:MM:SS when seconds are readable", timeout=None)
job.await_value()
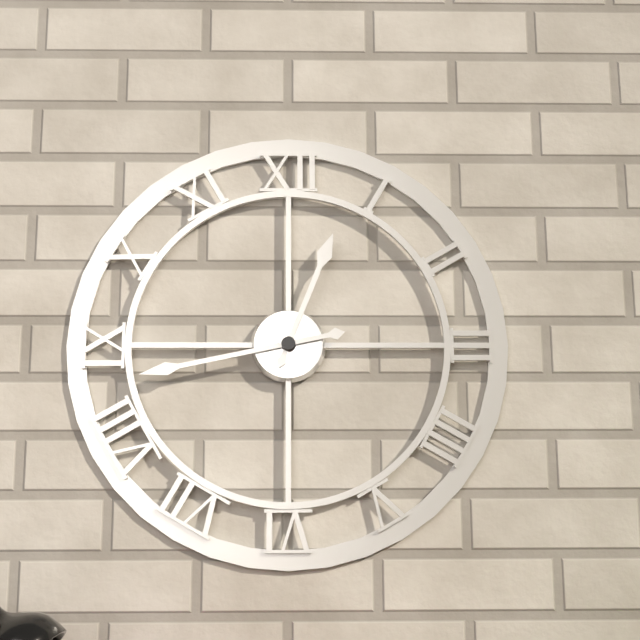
**12:43**
